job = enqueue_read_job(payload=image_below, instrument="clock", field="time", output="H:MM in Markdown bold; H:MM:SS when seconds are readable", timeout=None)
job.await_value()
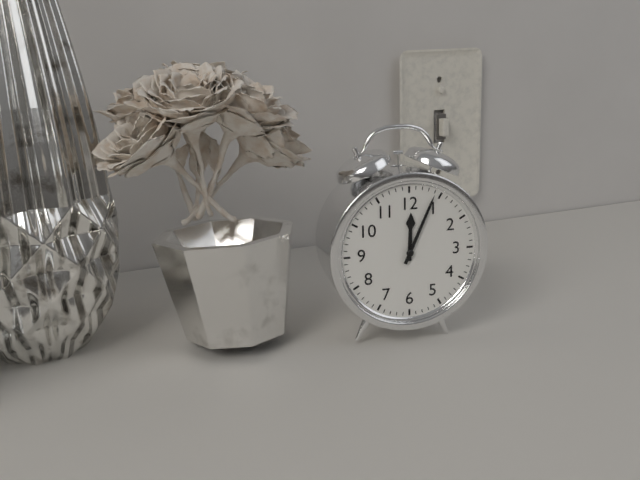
**12:04**
